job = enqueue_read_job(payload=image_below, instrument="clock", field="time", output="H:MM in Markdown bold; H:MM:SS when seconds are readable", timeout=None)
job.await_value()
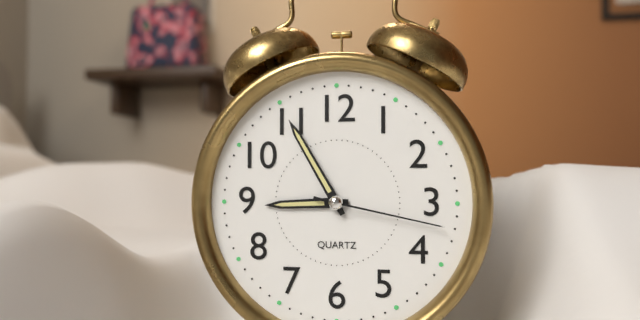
**8:55:17**
